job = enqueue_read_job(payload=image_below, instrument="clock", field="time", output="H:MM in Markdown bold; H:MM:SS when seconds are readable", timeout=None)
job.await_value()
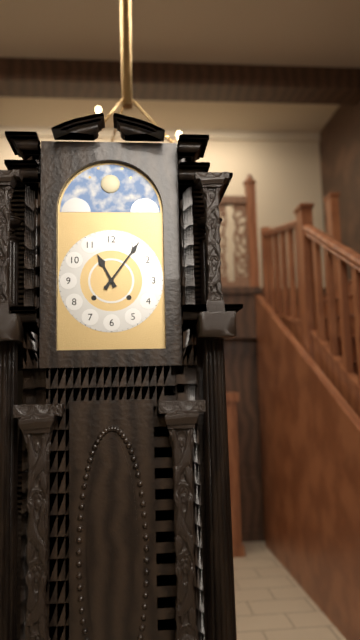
**11:06**
